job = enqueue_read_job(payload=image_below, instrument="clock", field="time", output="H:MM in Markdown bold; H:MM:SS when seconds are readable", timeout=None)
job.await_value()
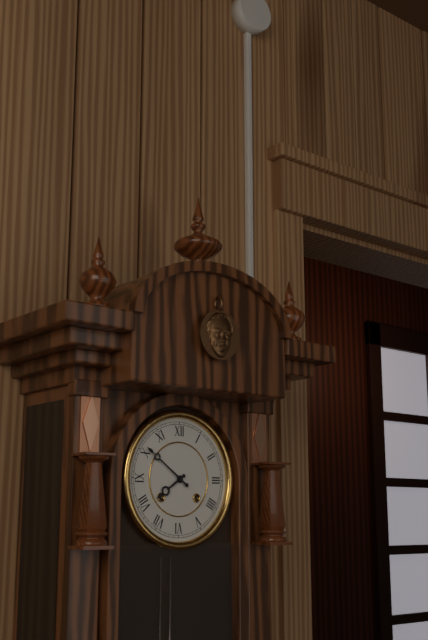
**7:51**
